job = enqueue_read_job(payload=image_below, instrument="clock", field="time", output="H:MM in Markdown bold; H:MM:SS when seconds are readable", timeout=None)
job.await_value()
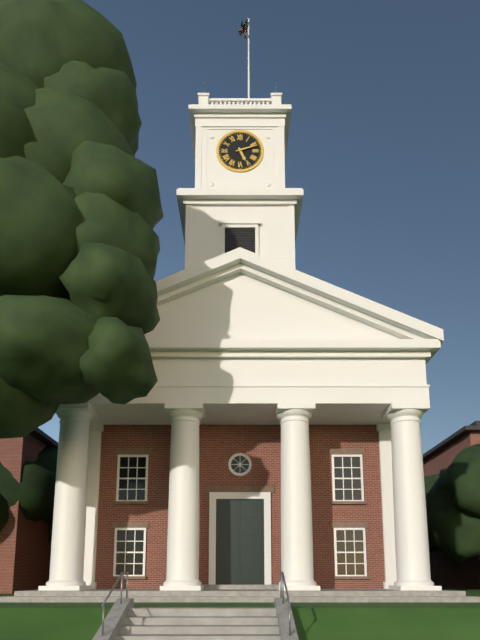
**5:12**
